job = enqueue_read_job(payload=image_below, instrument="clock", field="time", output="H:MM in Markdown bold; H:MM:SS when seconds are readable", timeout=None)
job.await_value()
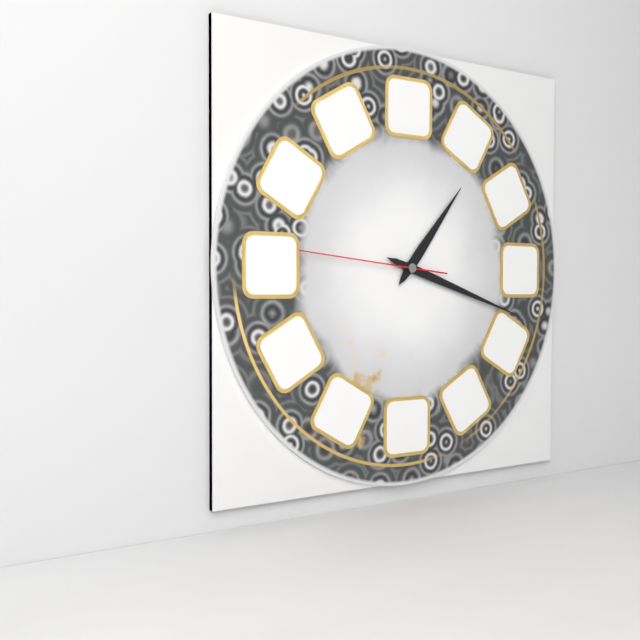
**1:18:46**
